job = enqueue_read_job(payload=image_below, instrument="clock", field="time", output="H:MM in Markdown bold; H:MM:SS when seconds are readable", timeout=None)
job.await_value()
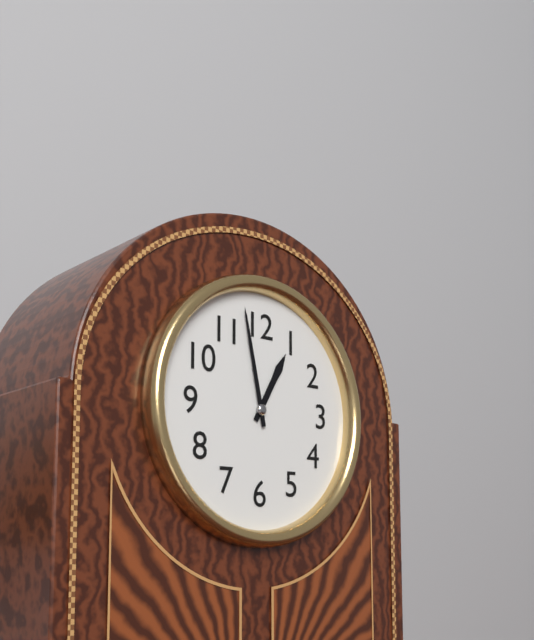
**12:58**
